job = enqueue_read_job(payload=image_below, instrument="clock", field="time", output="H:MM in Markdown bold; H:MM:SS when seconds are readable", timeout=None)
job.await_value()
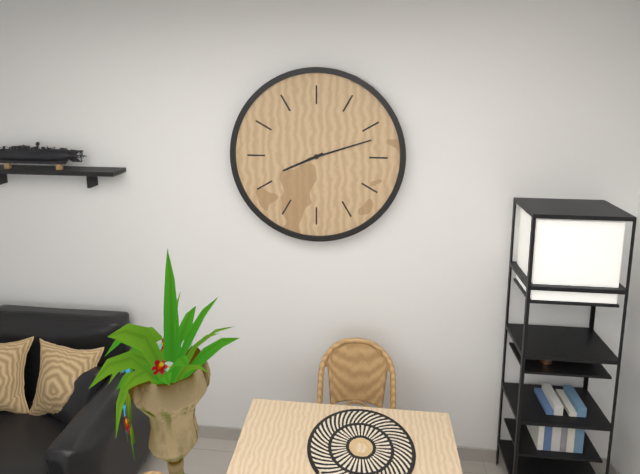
**8:12**
